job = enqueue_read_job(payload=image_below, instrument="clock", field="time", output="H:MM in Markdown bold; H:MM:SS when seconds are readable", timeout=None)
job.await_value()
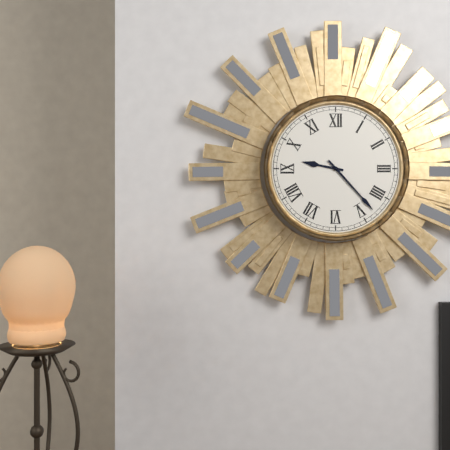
**9:23**
